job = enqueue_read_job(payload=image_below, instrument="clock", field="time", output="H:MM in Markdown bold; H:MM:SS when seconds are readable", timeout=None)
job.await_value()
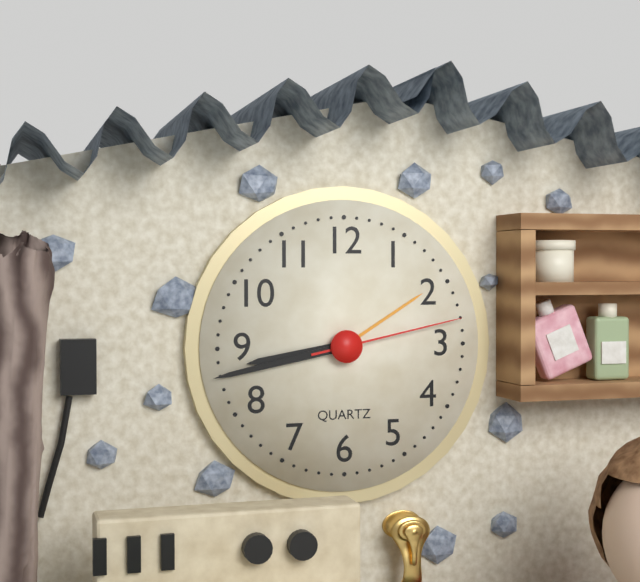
**8:43:13**
